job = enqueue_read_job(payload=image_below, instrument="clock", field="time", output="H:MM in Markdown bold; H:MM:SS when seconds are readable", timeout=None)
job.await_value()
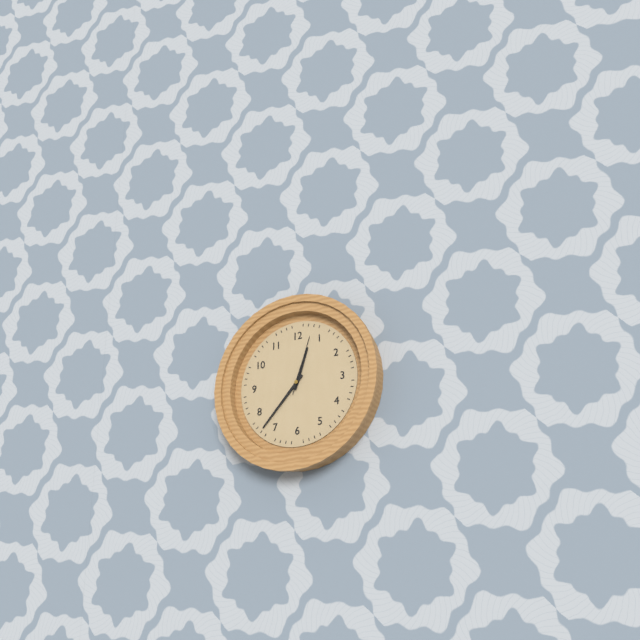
**12:37:03**
